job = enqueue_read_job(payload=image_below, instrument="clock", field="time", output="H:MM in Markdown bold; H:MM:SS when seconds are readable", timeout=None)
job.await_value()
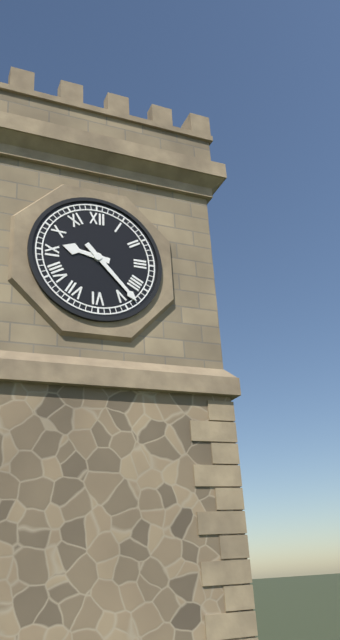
**9:23**
